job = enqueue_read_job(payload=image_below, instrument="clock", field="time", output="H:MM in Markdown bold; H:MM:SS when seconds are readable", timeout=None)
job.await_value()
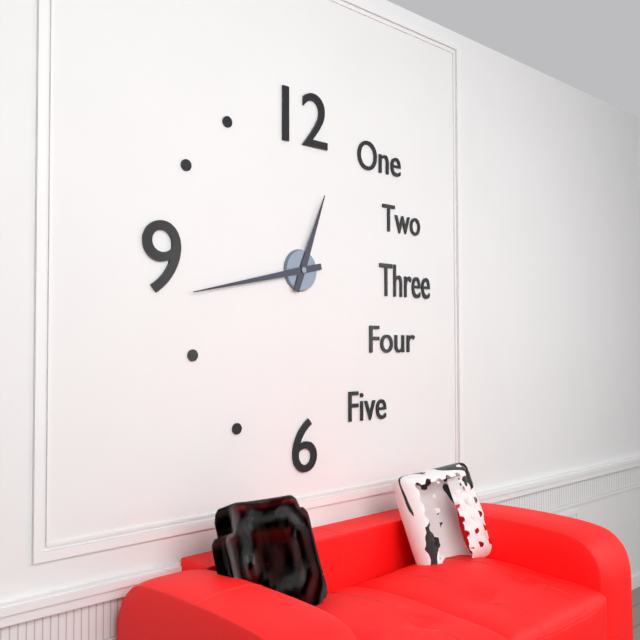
**12:43**
